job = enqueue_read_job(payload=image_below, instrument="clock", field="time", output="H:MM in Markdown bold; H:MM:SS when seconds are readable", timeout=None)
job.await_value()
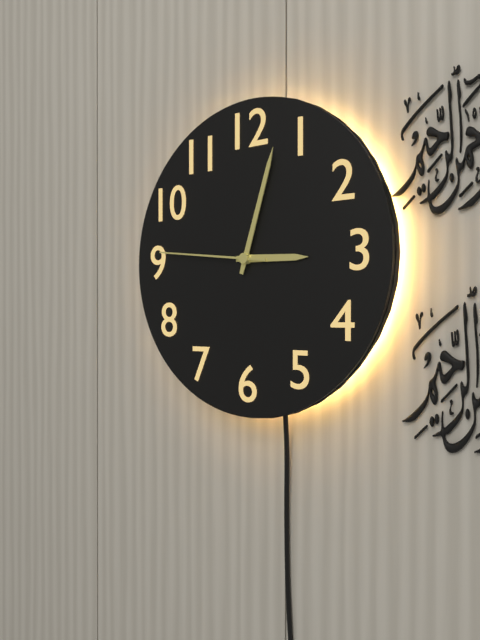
**3:03:46**
